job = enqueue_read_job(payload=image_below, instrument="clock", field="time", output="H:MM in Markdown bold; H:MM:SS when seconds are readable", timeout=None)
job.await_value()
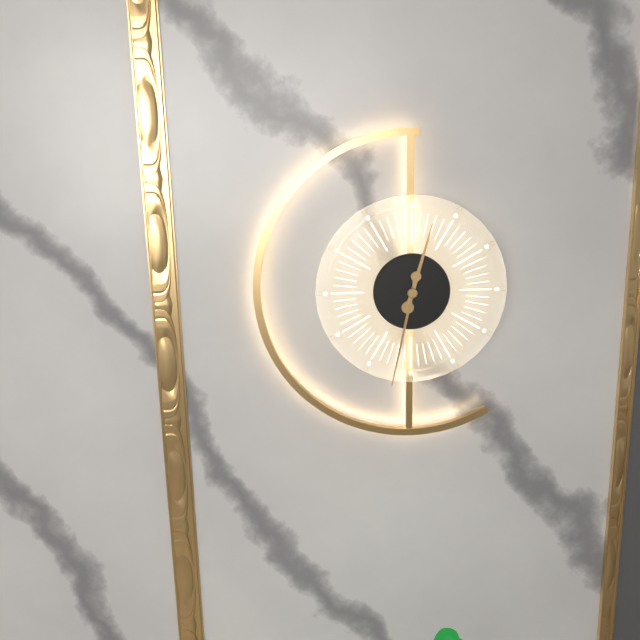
**12:32**
